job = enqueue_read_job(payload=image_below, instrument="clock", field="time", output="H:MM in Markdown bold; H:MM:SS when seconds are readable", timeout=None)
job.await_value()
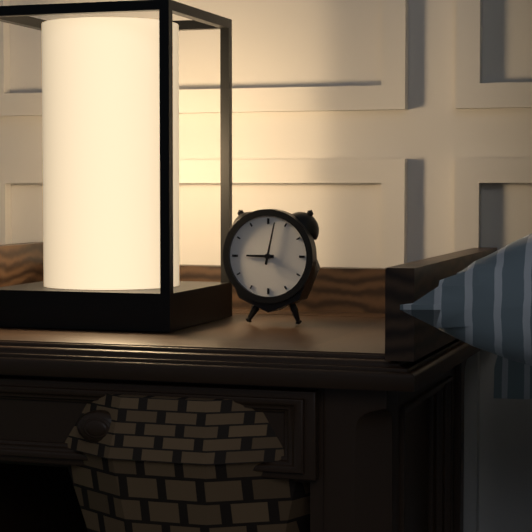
**9:02**
